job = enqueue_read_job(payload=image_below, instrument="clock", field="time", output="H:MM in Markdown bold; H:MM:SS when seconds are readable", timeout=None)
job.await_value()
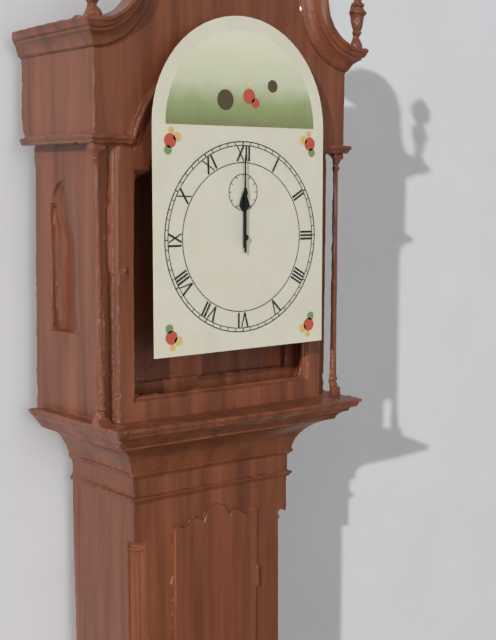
**12:00**
